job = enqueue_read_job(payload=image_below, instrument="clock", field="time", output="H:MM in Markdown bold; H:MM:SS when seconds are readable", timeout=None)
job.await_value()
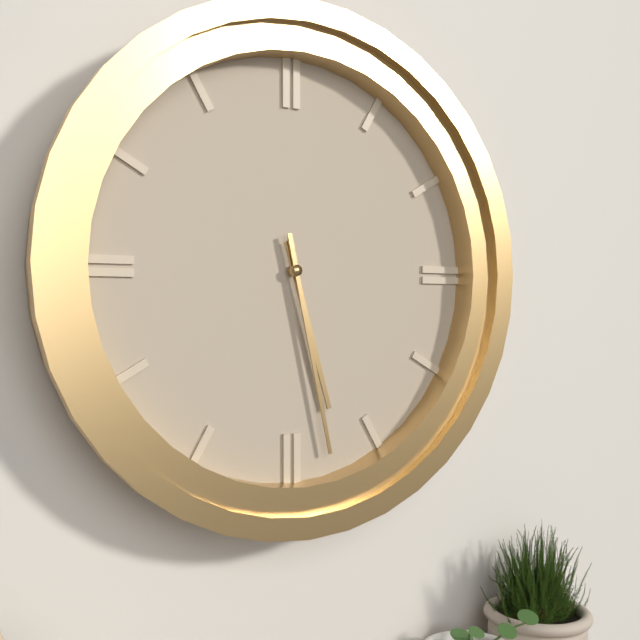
**5:28**
